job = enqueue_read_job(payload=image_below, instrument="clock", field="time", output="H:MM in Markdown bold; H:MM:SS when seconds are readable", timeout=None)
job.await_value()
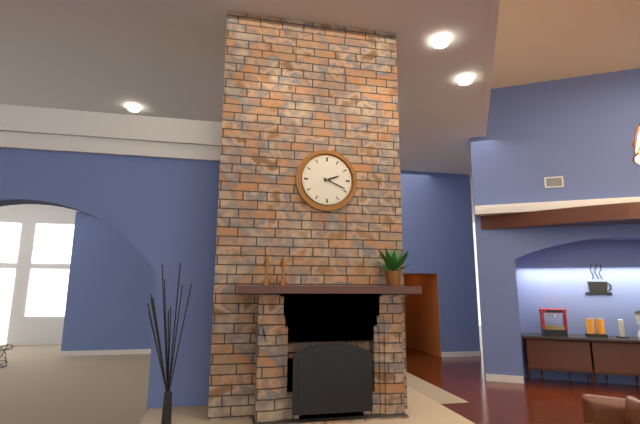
**2:19**
